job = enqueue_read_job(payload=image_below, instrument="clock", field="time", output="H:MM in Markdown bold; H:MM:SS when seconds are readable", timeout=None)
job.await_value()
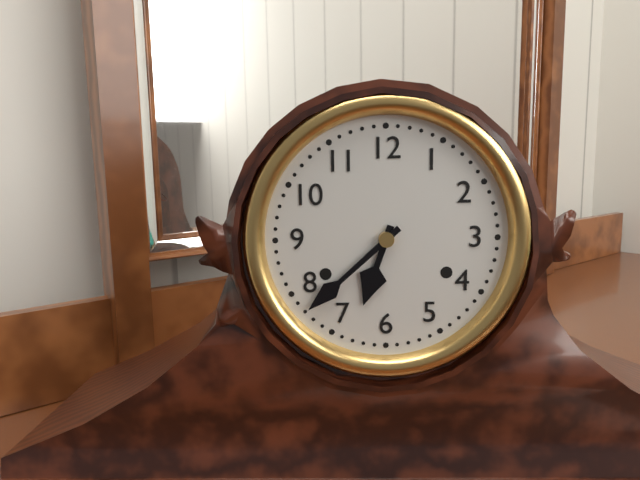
**6:38**
